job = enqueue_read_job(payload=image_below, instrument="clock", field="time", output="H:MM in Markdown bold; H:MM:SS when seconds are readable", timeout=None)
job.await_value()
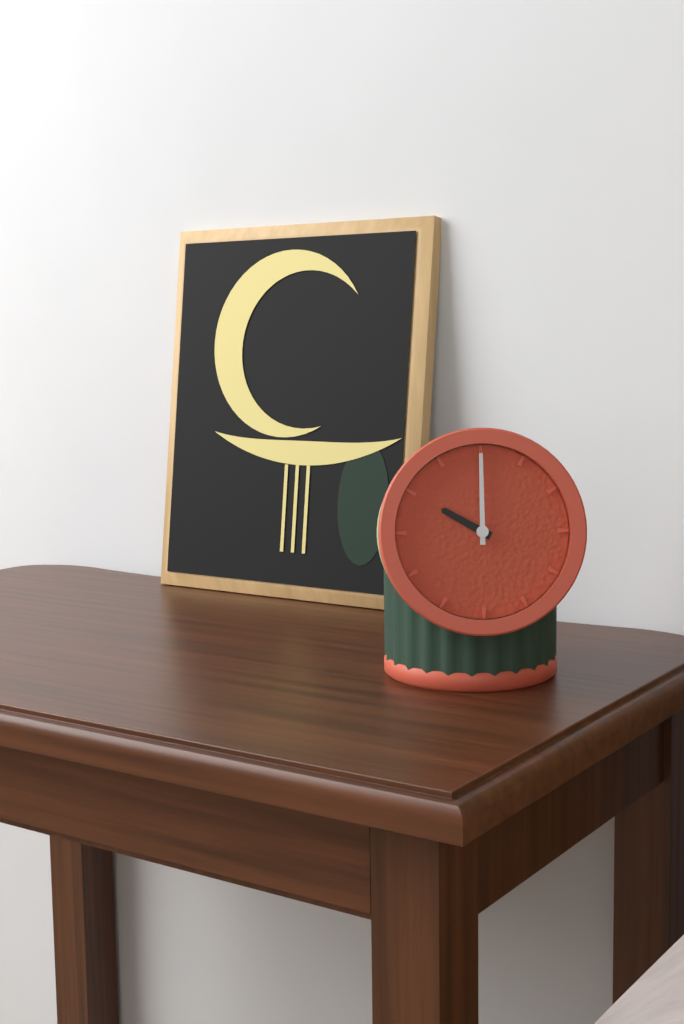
**10:00**
